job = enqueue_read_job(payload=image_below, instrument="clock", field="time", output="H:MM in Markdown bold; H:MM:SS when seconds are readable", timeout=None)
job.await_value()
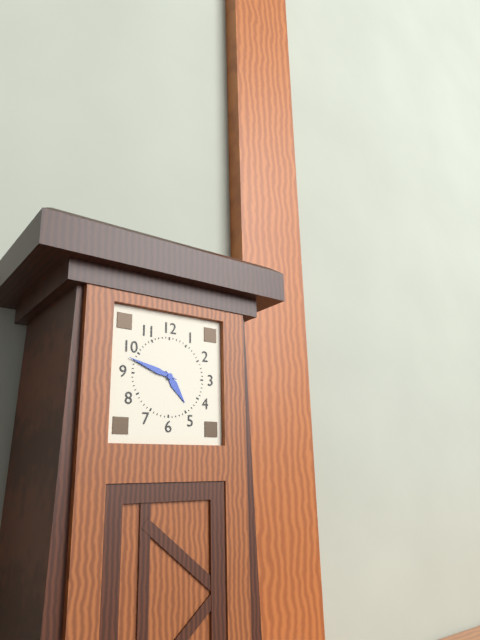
**4:48**
